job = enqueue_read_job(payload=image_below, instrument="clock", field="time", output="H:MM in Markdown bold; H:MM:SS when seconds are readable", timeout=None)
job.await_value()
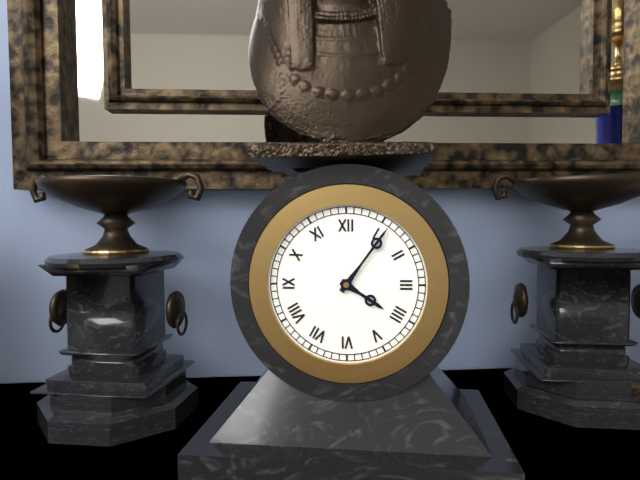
**4:06**
